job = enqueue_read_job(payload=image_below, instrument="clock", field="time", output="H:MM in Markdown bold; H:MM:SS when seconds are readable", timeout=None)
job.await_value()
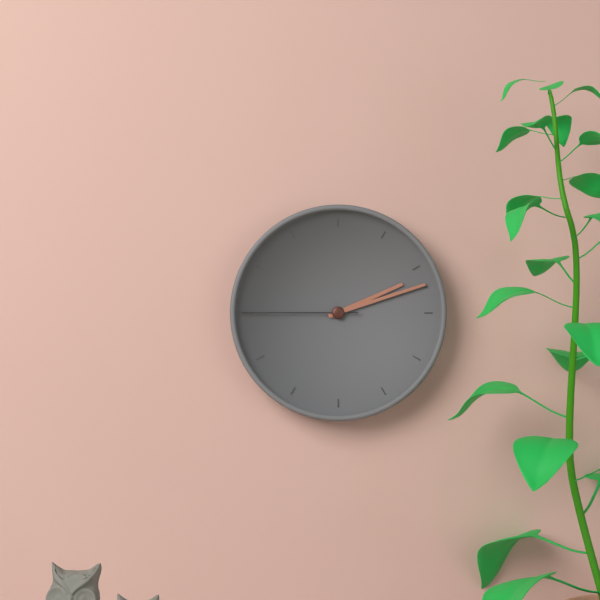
**2:12:45**
